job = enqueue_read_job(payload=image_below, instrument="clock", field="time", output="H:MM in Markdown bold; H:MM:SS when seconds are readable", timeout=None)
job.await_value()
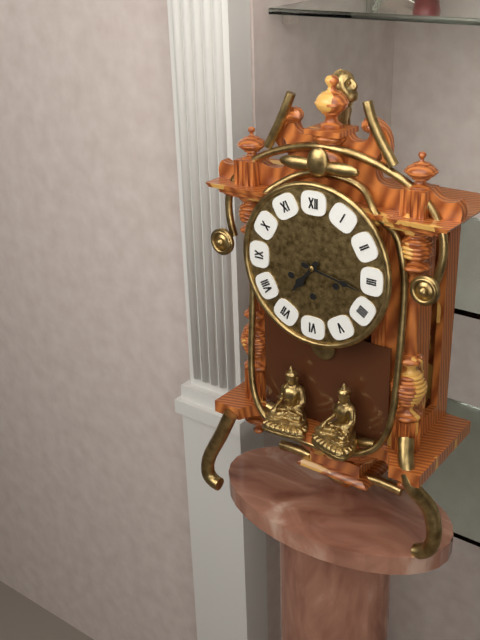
**7:17**
